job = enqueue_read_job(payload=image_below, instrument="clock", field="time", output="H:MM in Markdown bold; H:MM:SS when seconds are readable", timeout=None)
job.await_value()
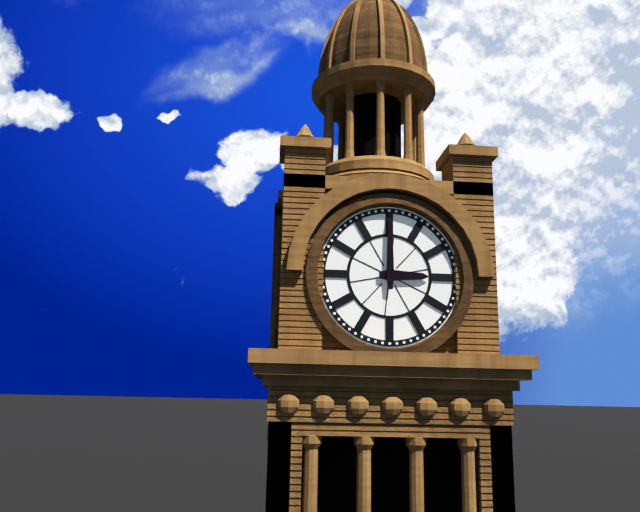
**3:00**
